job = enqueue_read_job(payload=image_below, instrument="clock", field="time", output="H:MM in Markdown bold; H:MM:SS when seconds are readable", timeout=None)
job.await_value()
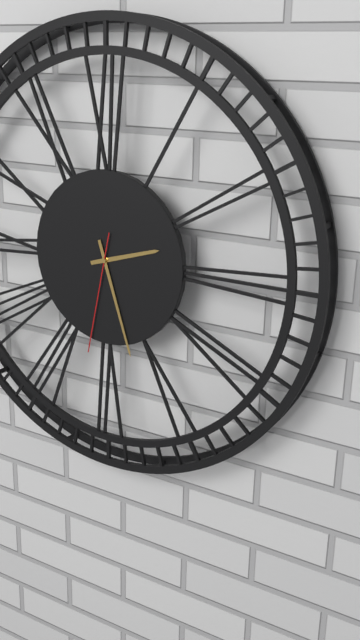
**2:27:32**
